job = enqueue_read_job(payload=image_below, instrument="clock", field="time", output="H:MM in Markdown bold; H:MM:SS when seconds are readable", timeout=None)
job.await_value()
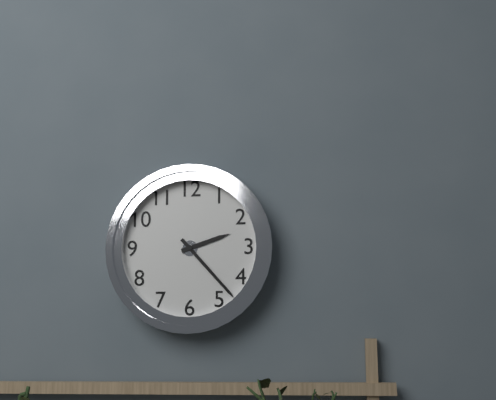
**2:23**
